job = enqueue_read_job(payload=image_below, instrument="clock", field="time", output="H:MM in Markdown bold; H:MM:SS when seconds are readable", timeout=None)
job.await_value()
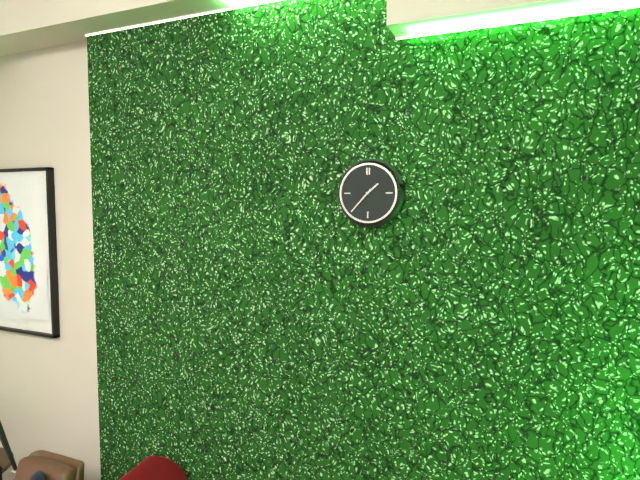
**1:37**
